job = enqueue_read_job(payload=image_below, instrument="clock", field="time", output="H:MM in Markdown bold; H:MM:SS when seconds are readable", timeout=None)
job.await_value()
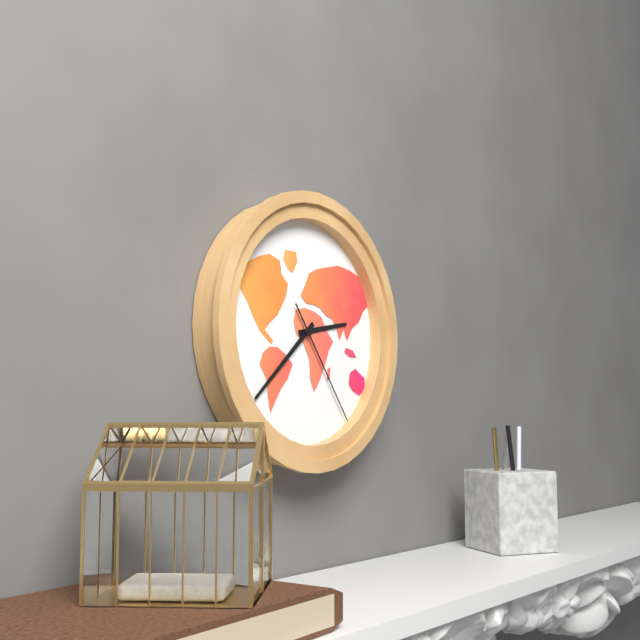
**2:38:24**
